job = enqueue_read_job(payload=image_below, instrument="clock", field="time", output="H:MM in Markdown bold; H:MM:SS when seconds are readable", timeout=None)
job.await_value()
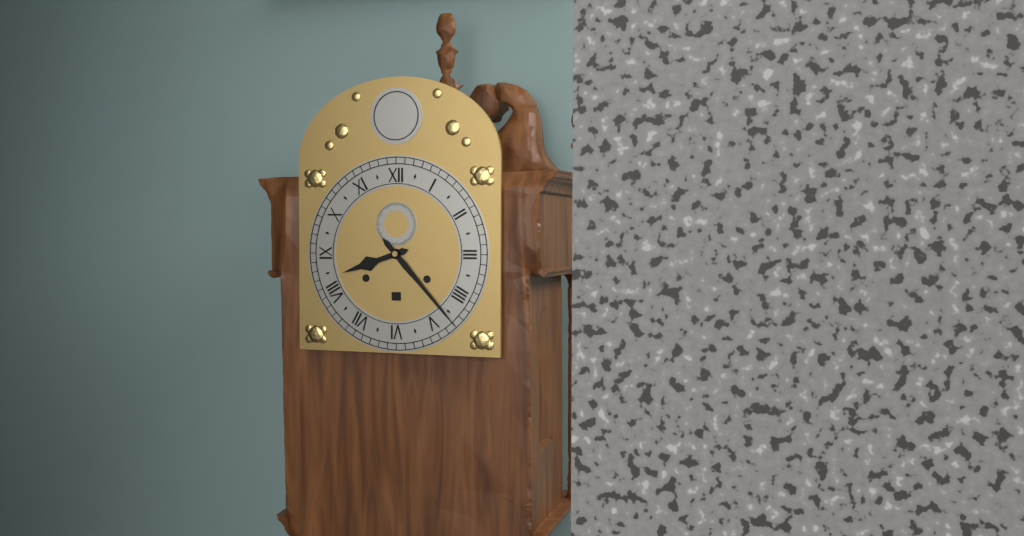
**8:23**
